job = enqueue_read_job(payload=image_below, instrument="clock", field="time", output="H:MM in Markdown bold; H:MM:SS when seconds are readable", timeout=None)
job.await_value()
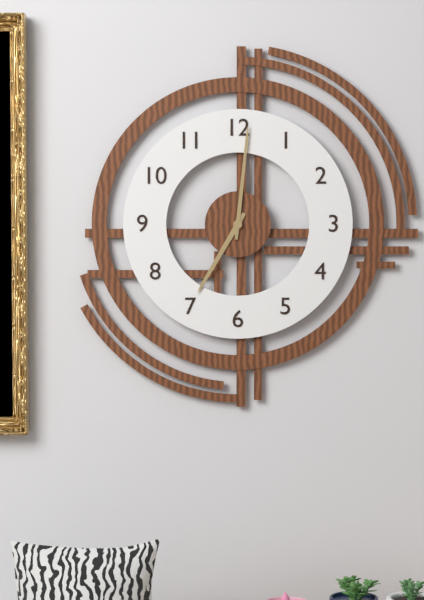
**7:01**
